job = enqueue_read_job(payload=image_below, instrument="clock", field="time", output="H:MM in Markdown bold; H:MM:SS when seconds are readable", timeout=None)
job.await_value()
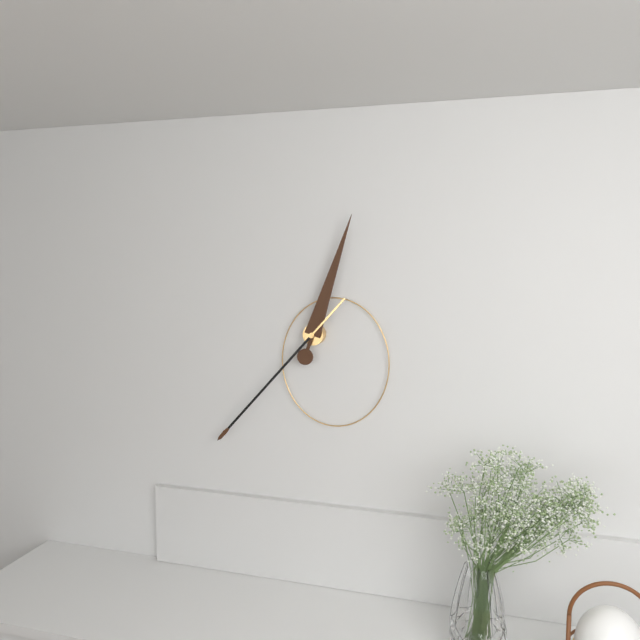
**12:37**
